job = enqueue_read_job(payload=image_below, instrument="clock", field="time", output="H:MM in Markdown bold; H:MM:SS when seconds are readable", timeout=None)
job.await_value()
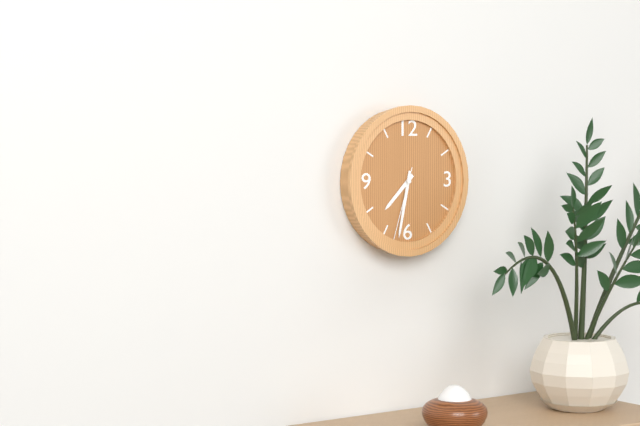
**7:32:33**
